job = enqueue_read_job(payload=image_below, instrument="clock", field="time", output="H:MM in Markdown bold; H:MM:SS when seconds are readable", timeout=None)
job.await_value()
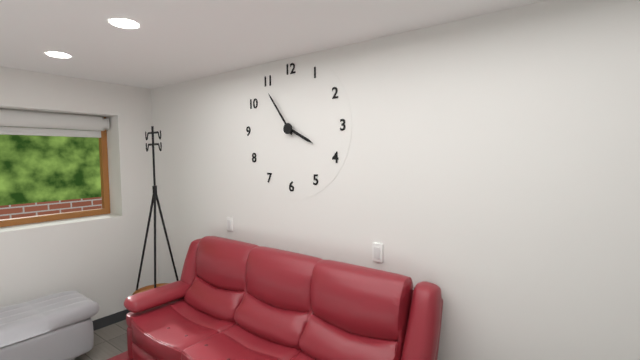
**3:54**
